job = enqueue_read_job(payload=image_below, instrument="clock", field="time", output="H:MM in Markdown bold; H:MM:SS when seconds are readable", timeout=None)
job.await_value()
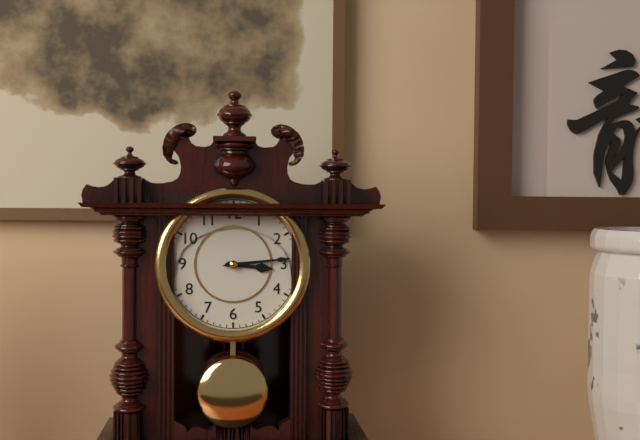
**3:14**
